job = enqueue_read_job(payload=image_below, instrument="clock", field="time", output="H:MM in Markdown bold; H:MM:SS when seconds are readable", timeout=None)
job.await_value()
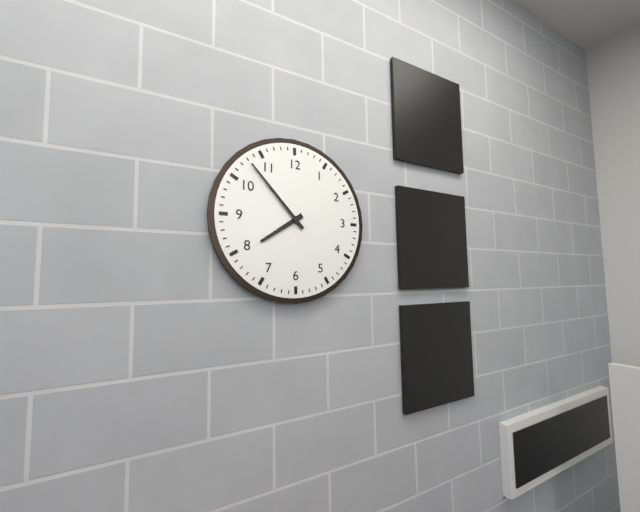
**7:53**
